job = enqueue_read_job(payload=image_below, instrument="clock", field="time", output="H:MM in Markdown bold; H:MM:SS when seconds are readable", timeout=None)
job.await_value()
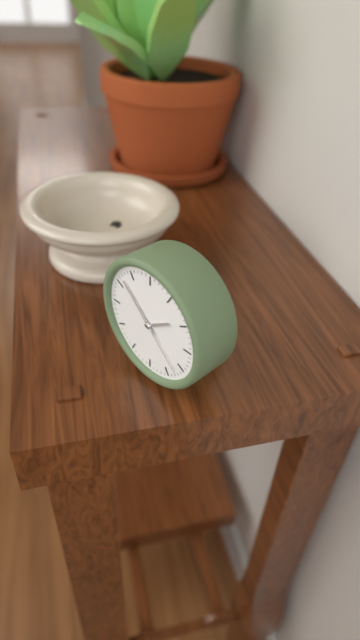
**1:52:22**
